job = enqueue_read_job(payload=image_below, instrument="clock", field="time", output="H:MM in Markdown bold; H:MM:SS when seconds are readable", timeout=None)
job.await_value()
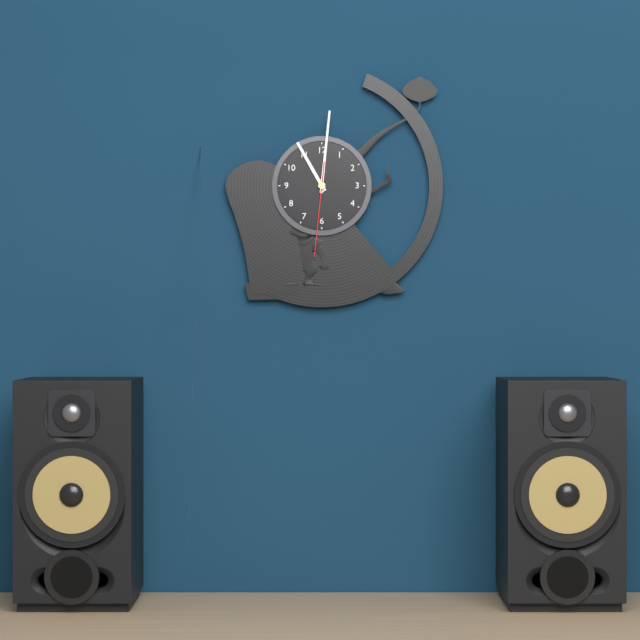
**11:01:31**
